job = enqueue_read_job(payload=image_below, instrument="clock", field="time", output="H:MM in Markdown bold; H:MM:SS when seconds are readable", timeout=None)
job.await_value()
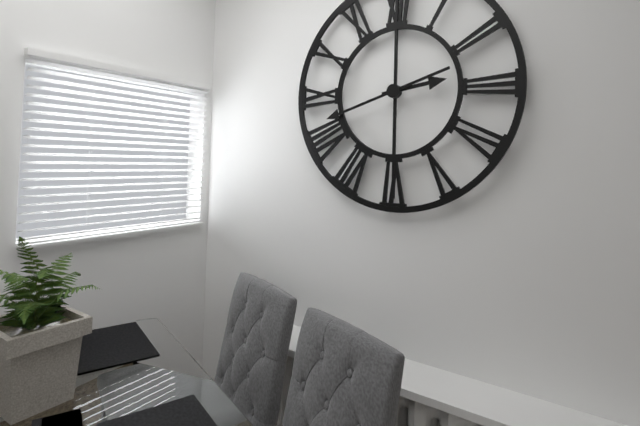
**2:42**
